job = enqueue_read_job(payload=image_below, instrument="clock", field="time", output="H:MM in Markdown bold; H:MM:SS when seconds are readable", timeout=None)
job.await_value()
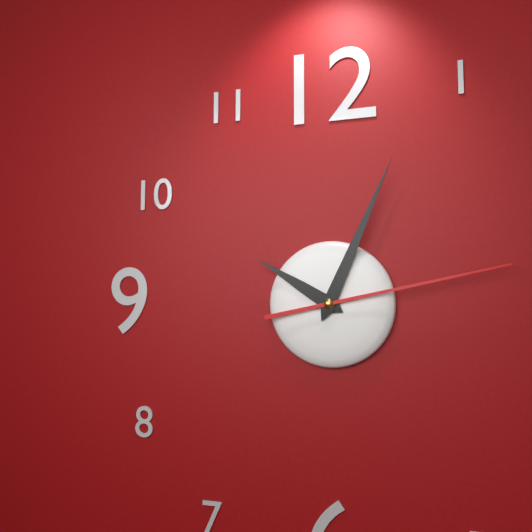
**10:04:13**
